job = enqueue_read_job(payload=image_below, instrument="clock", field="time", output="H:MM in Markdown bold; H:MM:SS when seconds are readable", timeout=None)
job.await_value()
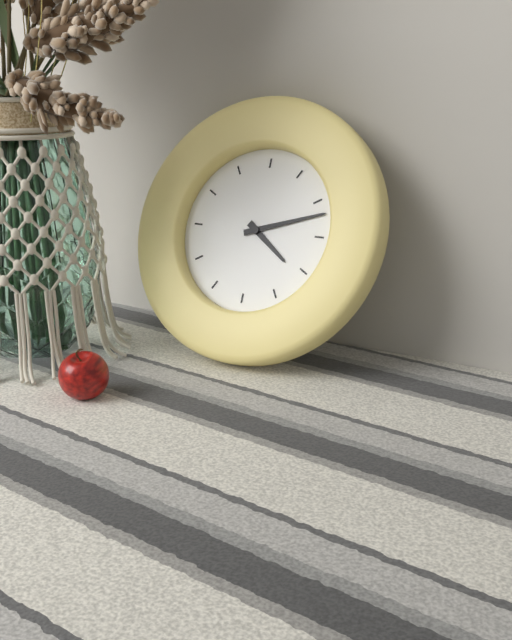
**4:12**
